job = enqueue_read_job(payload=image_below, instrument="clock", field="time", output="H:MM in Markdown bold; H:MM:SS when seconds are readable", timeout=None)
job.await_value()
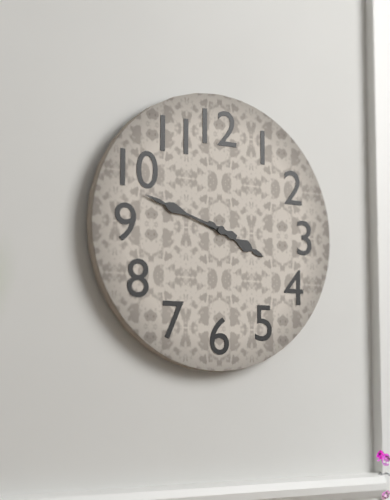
**3:48**
